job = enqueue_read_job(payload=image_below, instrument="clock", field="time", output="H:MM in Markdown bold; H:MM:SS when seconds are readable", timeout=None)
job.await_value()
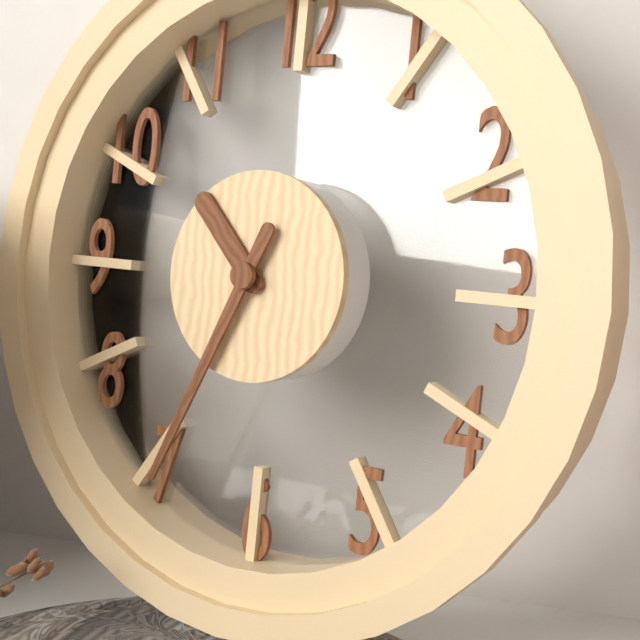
**10:34**
